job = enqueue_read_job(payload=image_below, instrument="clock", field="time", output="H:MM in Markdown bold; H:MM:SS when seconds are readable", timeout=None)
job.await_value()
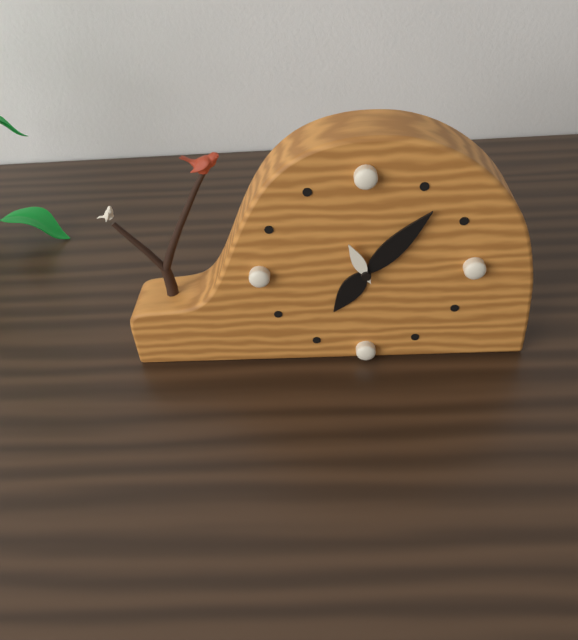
**7:07**
